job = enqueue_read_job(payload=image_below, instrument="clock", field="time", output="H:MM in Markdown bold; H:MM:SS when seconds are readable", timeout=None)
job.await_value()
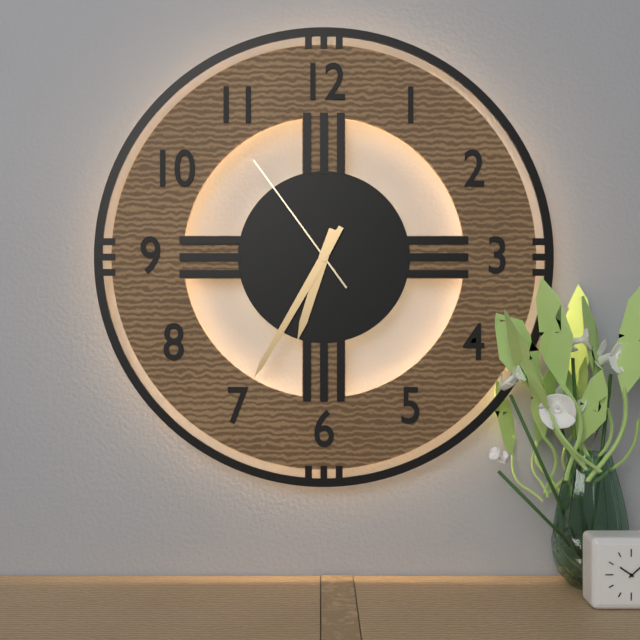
**6:35:54**
